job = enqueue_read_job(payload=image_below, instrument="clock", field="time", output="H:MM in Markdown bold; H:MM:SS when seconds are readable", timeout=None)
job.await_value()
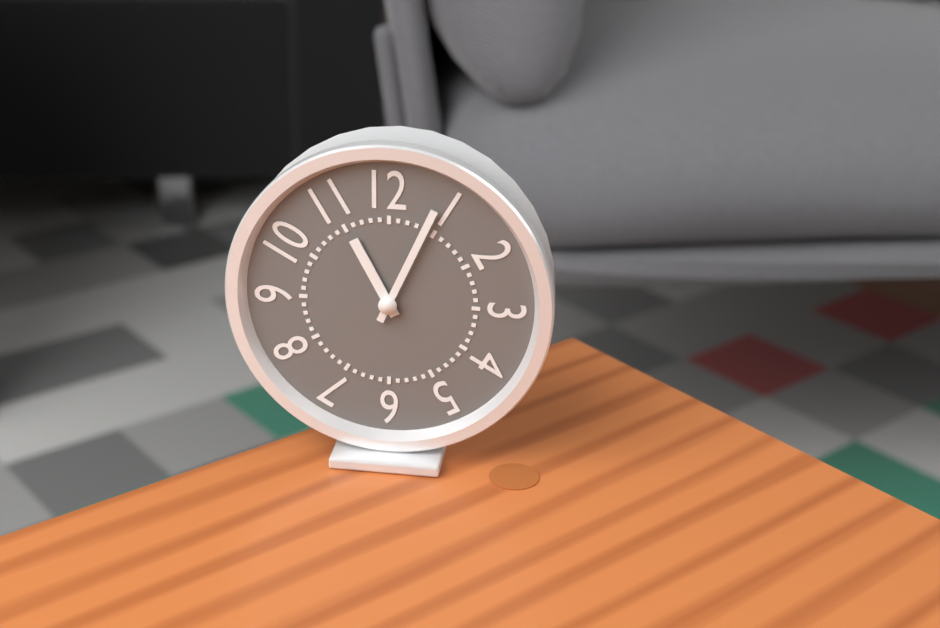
**11:04**
